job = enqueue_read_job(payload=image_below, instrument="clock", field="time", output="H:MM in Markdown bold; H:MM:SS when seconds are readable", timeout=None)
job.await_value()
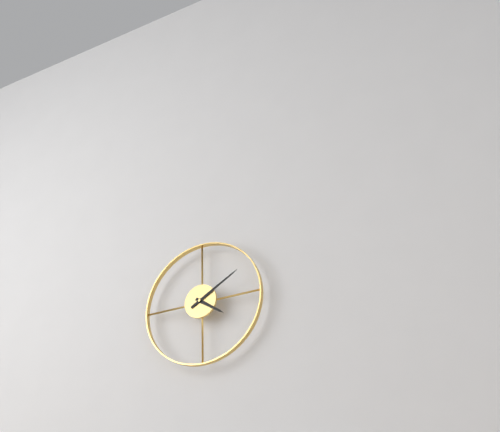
**4:10**
